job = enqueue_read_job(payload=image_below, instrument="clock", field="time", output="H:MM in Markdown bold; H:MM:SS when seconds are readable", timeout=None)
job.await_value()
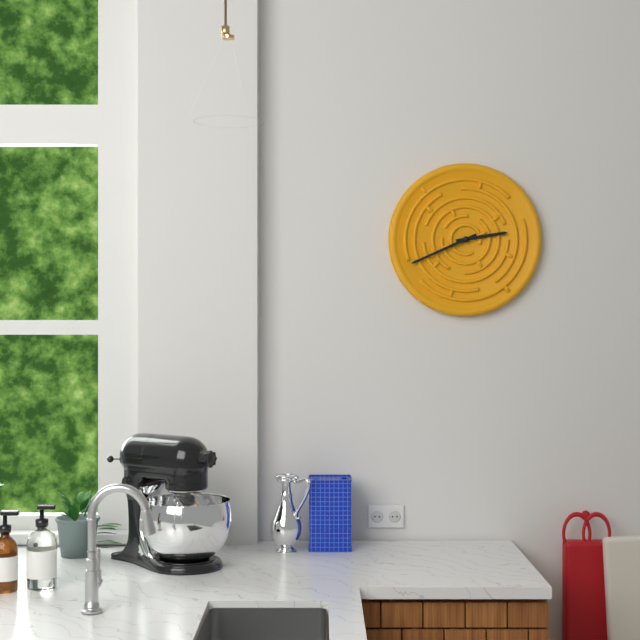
**2:41**
